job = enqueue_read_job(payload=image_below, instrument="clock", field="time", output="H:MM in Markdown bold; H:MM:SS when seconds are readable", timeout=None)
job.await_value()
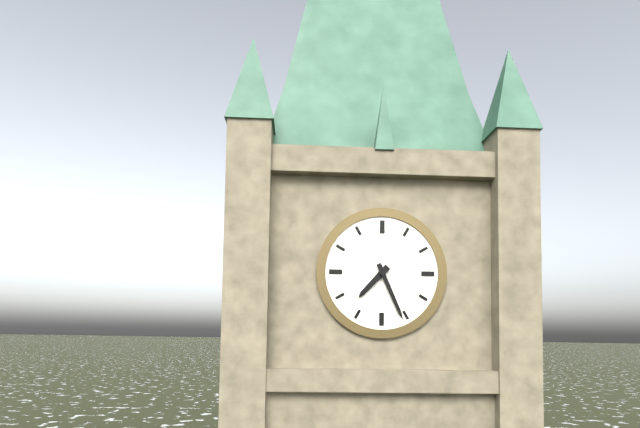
**7:26**
